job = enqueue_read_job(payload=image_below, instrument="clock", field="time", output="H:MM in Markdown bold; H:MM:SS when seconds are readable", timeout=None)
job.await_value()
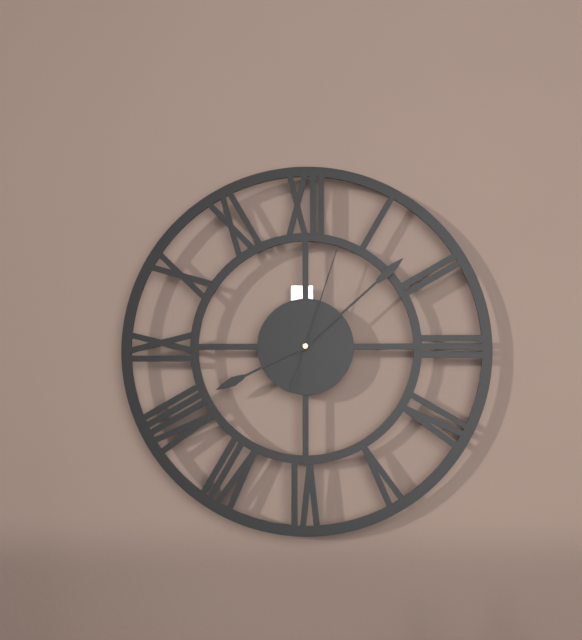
**8:08:03**
